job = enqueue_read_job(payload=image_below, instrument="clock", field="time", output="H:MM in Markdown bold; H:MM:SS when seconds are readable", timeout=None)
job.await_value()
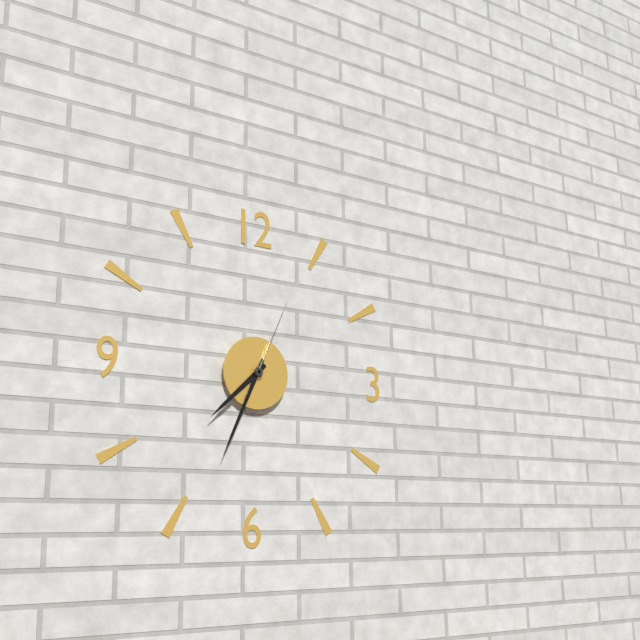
**7:34:04**
